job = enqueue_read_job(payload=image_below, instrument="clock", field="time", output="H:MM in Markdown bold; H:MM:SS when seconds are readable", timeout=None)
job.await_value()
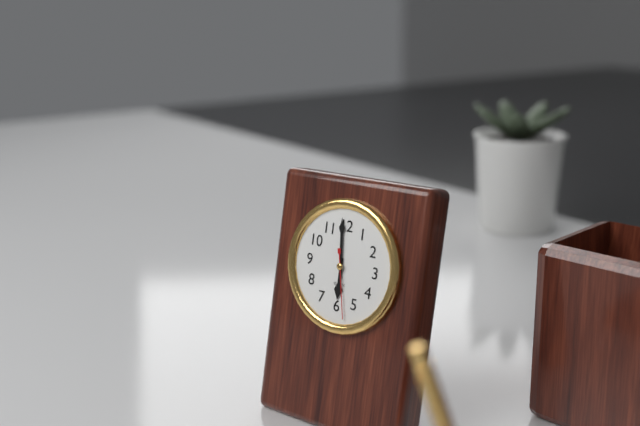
**5:59:28**
